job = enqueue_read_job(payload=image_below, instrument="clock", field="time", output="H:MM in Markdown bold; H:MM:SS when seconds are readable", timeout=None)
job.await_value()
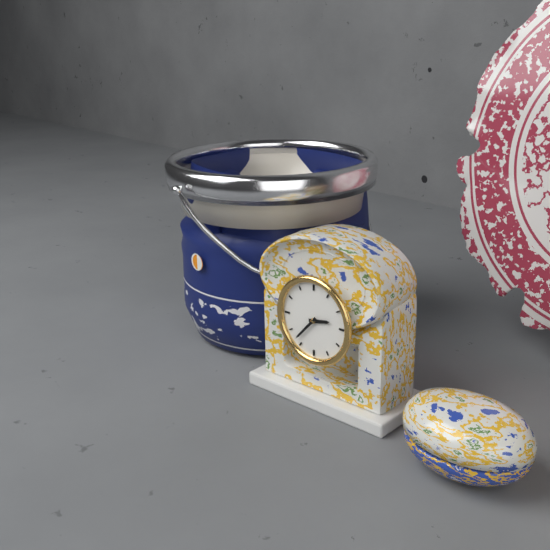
**2:37**
